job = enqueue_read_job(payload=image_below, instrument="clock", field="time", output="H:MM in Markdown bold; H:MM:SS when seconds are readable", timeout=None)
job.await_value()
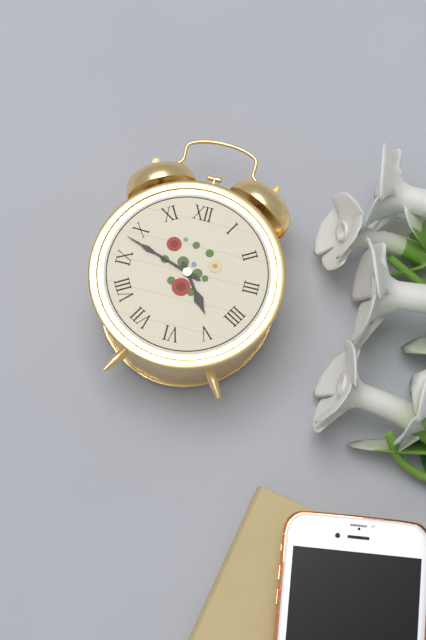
**4:48**
